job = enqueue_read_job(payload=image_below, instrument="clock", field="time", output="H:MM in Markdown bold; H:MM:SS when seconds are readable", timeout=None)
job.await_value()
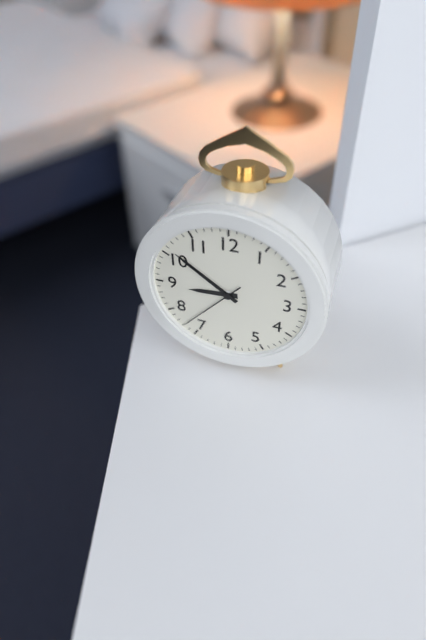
**8:51:37**
